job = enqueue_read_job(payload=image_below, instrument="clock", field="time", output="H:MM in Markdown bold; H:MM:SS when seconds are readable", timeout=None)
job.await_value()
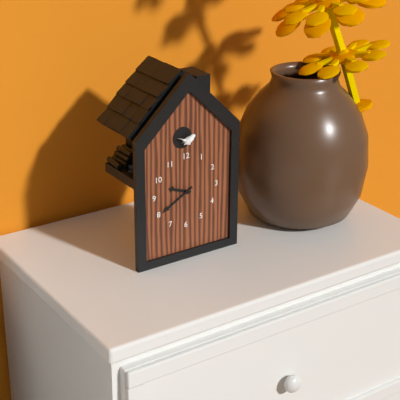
**9:40**
